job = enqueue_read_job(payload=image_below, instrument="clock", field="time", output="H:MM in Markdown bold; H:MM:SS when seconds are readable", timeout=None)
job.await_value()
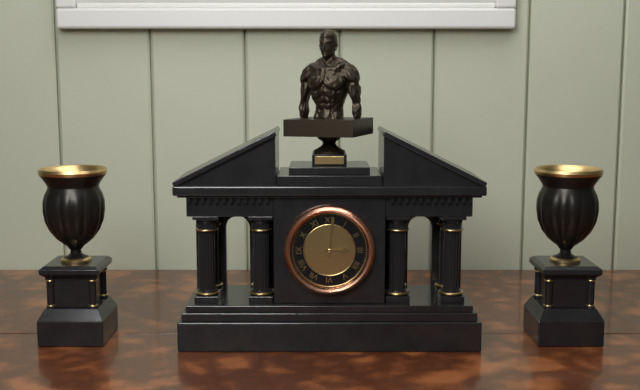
**3:01**
